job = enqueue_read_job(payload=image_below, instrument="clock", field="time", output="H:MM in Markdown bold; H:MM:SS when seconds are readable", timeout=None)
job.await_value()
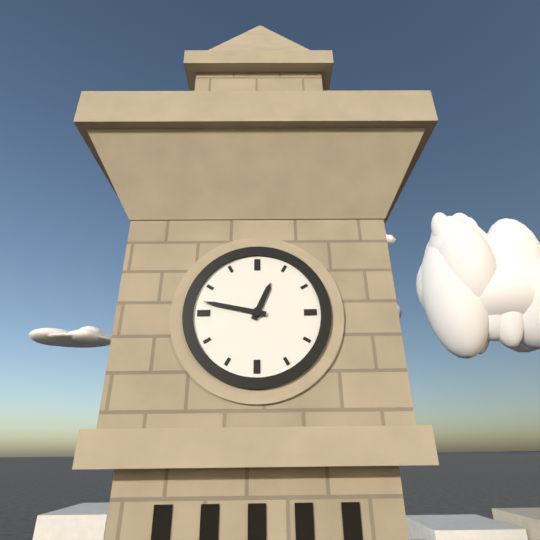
**12:47**
